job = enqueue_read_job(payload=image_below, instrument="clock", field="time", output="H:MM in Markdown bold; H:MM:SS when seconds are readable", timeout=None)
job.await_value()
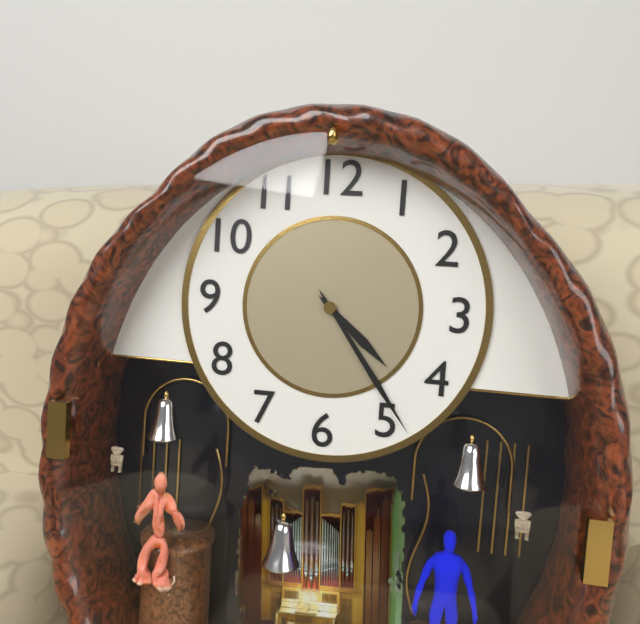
**4:24**
